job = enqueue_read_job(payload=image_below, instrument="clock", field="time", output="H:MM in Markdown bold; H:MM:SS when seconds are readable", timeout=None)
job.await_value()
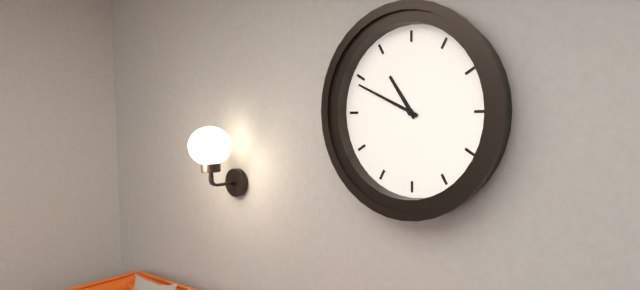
**10:49**
